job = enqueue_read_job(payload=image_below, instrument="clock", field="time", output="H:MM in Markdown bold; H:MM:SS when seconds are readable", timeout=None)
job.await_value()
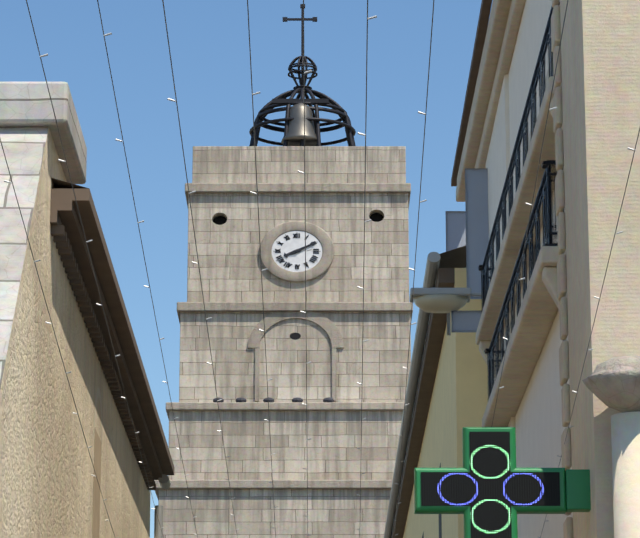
**8:10**
